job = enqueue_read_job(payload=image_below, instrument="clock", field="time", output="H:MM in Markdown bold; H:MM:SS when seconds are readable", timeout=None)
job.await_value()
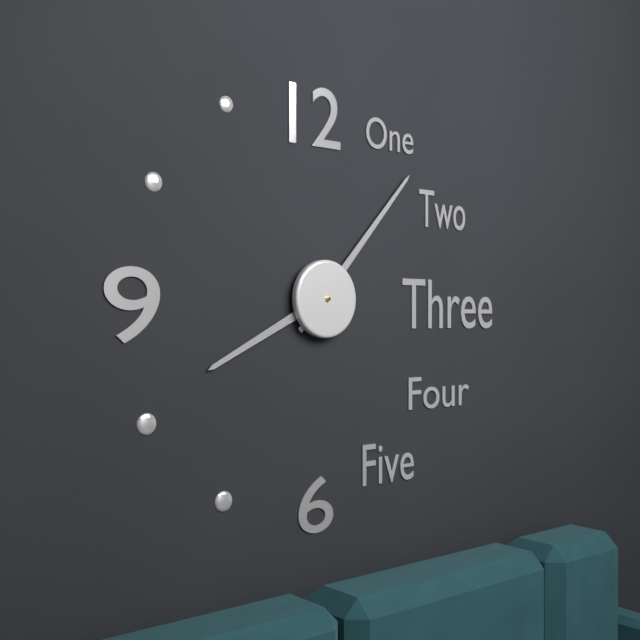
**8:07**
